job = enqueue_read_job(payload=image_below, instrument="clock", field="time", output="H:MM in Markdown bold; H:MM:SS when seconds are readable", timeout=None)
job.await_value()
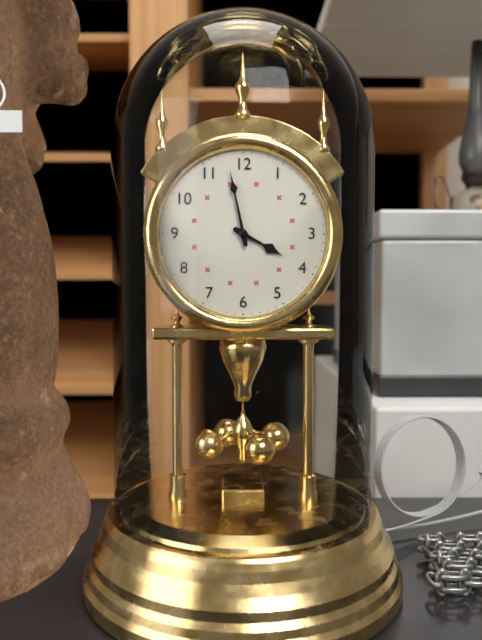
**3:58**
